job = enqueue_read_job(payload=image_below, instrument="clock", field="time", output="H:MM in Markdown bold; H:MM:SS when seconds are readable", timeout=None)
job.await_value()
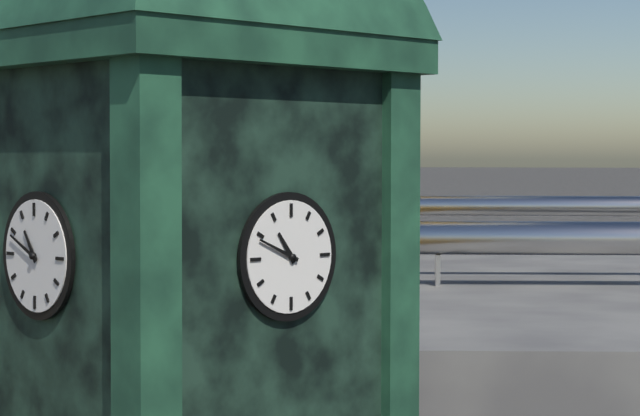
**10:49**
